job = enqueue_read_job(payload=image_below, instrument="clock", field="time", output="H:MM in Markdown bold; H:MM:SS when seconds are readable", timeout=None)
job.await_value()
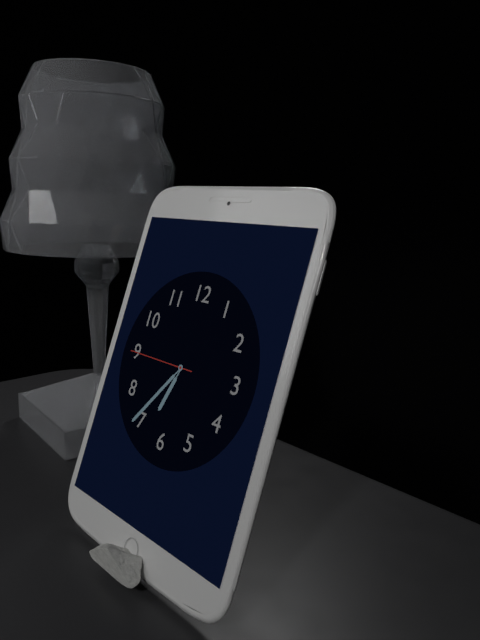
**6:36:45**
